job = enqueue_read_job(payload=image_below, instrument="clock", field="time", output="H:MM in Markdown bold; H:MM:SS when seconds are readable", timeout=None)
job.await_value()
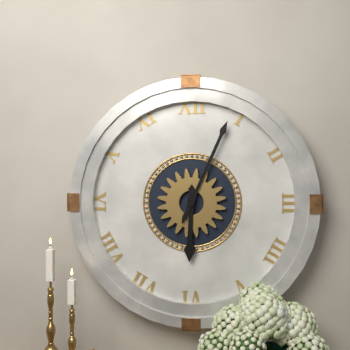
**6:04**
